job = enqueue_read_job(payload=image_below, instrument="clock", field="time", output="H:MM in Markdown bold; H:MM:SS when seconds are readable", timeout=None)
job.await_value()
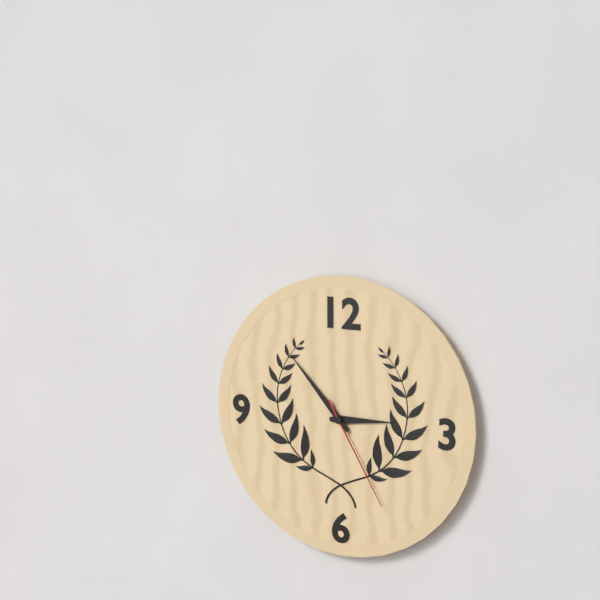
**2:53:25**
